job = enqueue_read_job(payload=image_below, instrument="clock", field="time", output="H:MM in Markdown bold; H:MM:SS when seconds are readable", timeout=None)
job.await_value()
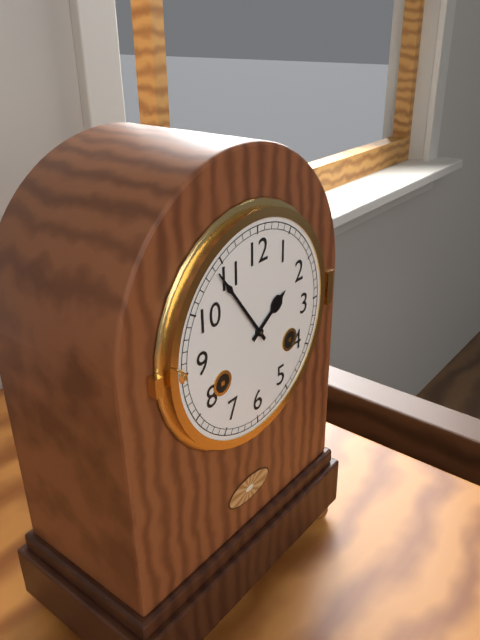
**1:54**
